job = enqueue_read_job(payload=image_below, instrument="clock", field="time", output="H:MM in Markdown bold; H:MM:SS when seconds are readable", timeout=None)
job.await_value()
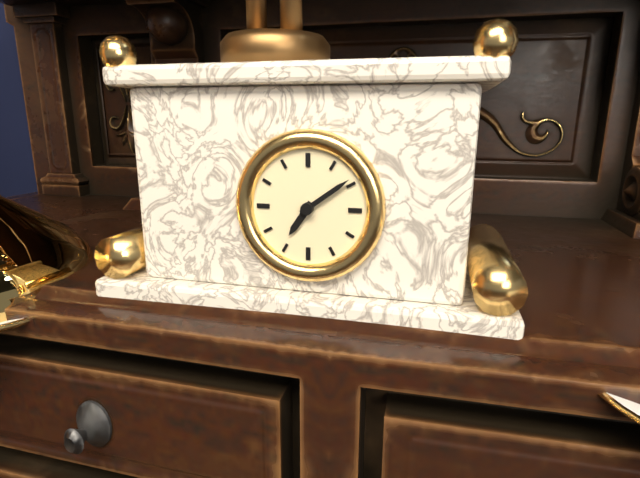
**7:09**
